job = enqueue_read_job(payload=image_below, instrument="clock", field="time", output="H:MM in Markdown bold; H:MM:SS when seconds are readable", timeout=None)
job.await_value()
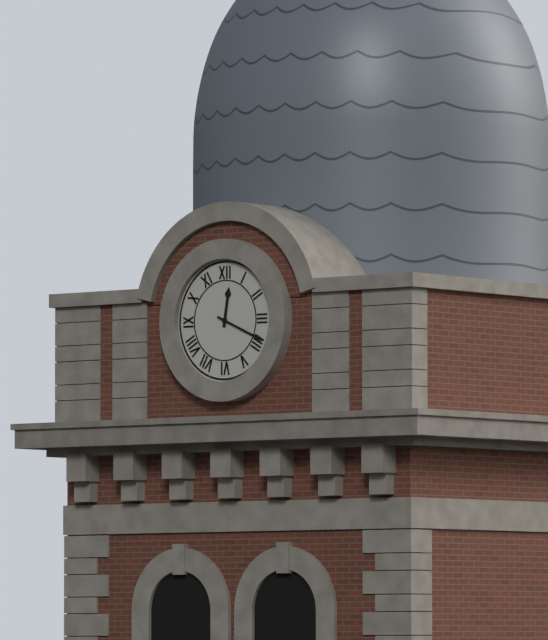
**12:19**
